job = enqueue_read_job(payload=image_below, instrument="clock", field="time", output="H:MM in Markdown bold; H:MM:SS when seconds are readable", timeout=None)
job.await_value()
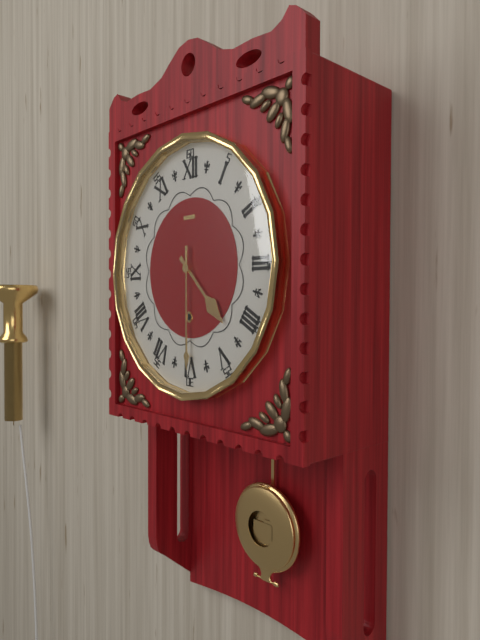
**4:30**
